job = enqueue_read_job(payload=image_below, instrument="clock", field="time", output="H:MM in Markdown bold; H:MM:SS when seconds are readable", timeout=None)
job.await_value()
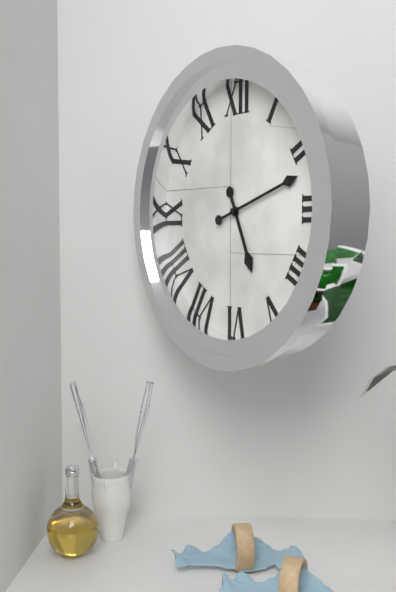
**5:12**
